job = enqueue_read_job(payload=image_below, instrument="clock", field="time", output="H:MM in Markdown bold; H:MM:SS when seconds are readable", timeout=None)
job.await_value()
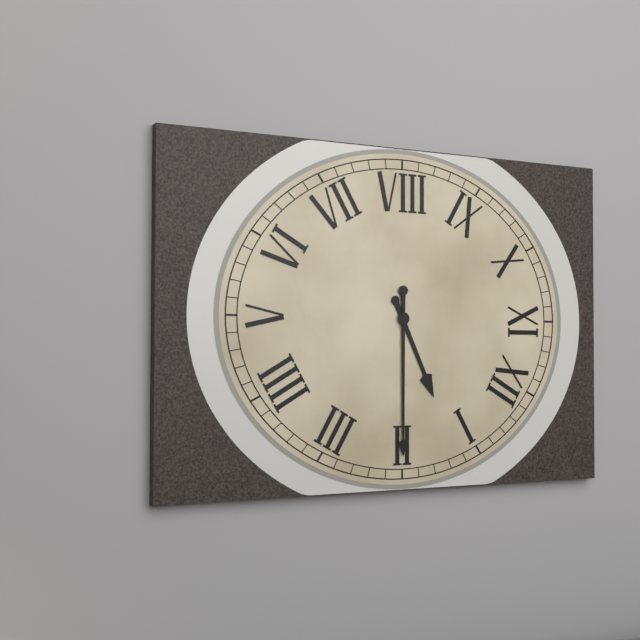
**1:10**
